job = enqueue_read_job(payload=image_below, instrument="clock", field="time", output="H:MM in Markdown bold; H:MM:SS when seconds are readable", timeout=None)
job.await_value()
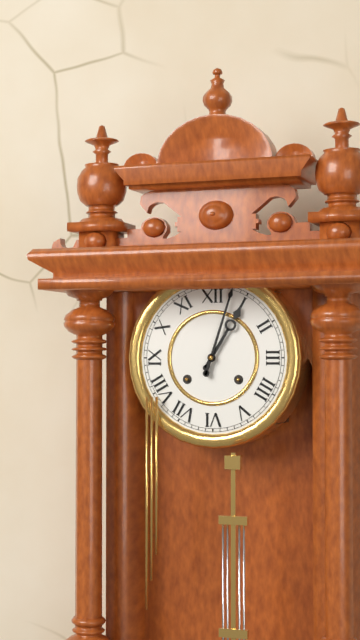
**1:03**
